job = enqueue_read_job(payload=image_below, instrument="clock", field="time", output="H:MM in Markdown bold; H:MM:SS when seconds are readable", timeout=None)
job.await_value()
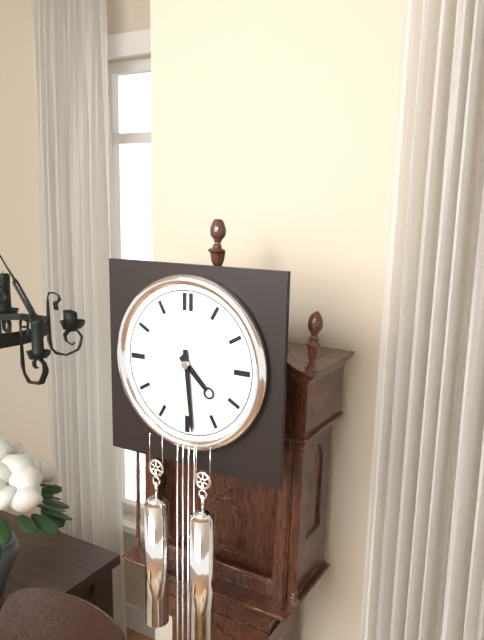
**4:29**
